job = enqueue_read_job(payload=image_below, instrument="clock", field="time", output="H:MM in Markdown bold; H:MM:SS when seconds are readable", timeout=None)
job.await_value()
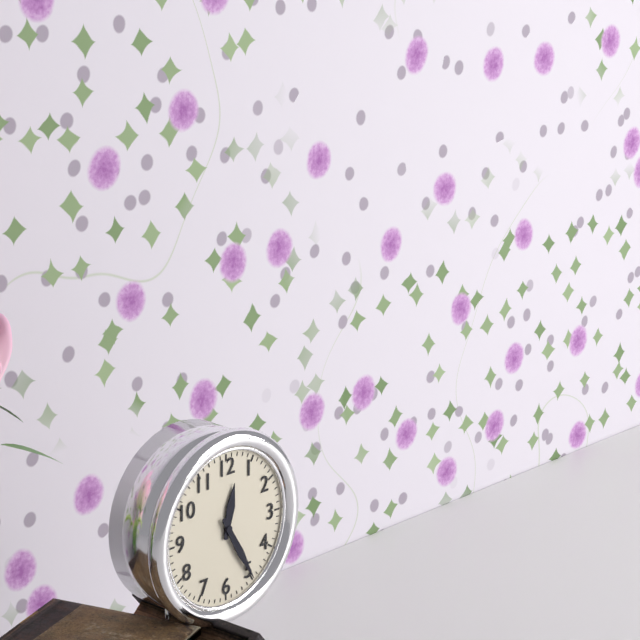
**12:25**
